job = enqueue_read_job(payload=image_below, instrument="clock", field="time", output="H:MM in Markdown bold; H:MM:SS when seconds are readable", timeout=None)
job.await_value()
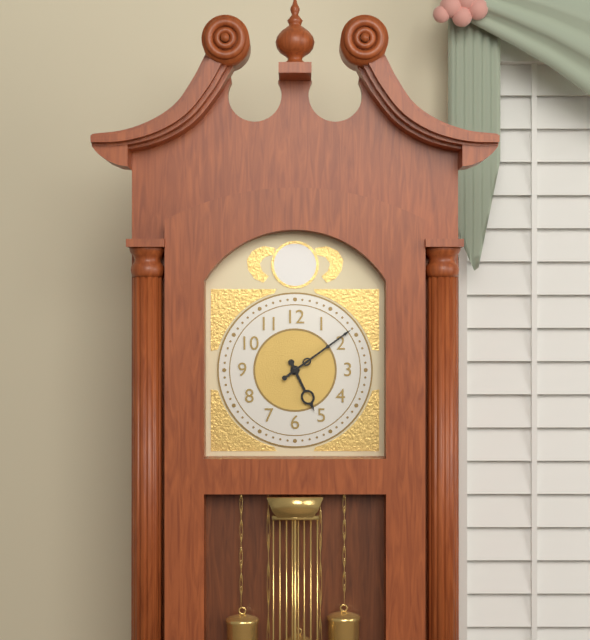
**5:09**
